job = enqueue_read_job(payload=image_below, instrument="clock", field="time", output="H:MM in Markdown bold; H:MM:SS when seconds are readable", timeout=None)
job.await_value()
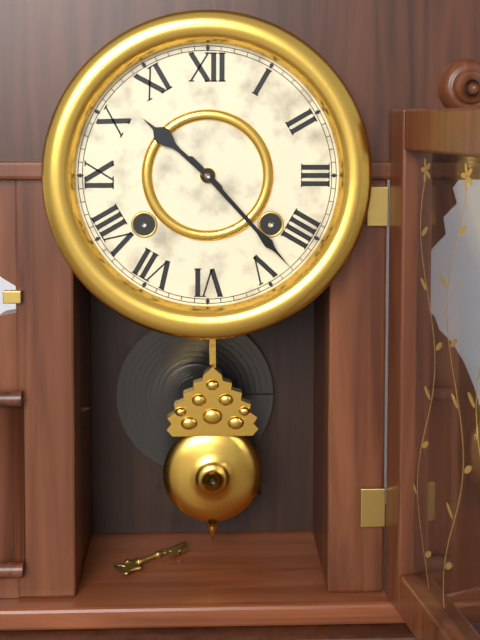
**10:23**
